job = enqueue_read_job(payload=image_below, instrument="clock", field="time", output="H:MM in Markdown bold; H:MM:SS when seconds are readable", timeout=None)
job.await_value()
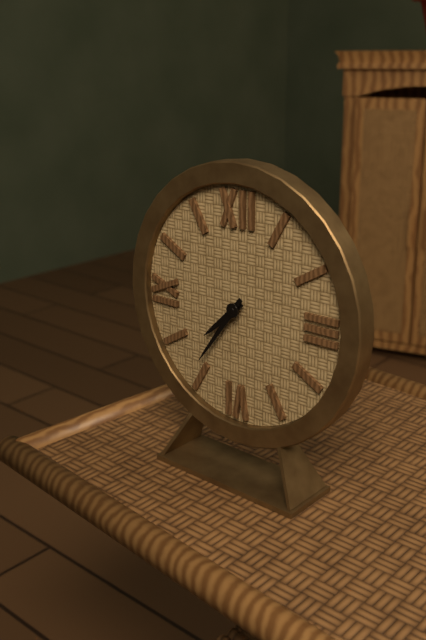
**7:36**
